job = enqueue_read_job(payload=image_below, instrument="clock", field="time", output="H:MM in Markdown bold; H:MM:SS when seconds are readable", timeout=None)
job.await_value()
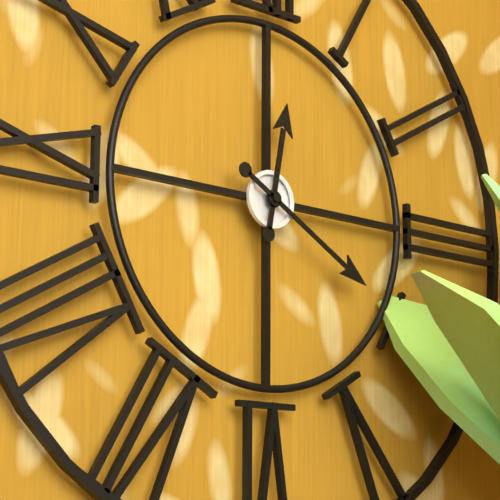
**12:20**
